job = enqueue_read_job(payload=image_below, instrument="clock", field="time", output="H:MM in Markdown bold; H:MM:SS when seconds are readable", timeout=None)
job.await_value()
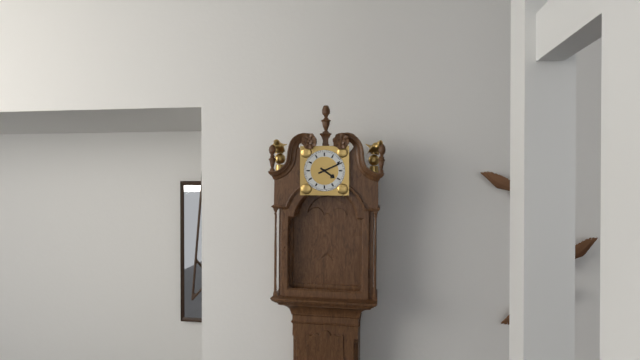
**4:11**
